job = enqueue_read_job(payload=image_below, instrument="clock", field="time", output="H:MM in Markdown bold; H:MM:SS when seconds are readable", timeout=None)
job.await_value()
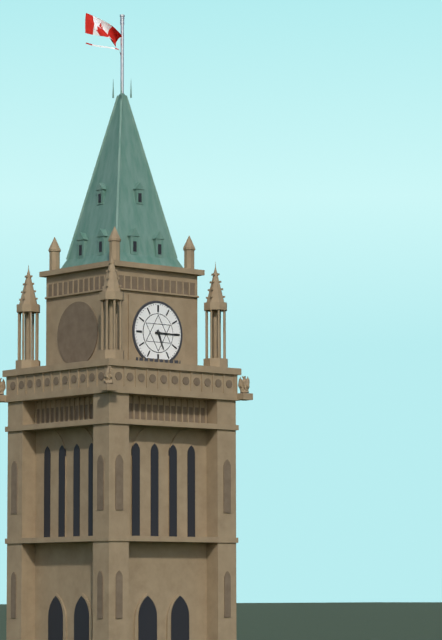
**5:15**
